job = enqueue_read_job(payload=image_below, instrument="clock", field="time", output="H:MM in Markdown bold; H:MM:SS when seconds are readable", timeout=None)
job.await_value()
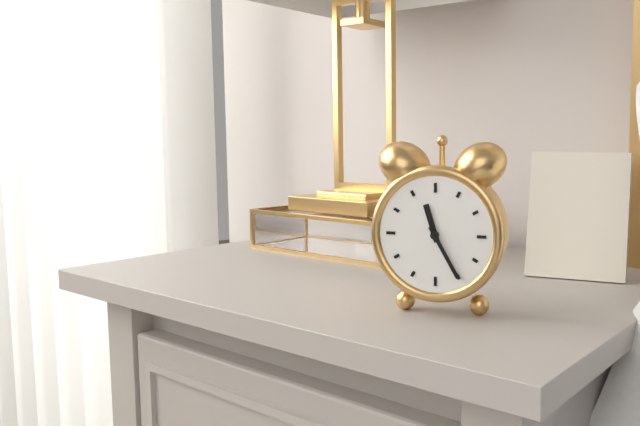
**11:25**
